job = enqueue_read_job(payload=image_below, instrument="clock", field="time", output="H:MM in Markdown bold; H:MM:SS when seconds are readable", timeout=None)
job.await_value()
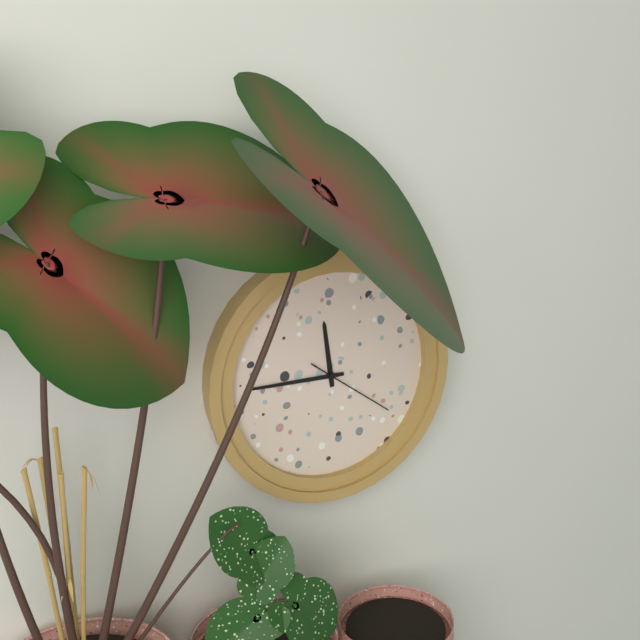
**11:45:21**
